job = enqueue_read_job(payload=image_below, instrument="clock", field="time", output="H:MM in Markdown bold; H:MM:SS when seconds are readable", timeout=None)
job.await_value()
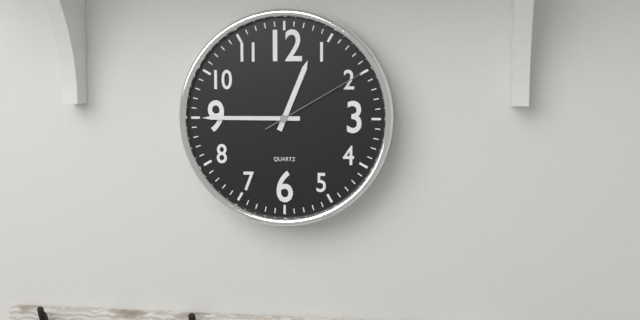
**12:45:10**
